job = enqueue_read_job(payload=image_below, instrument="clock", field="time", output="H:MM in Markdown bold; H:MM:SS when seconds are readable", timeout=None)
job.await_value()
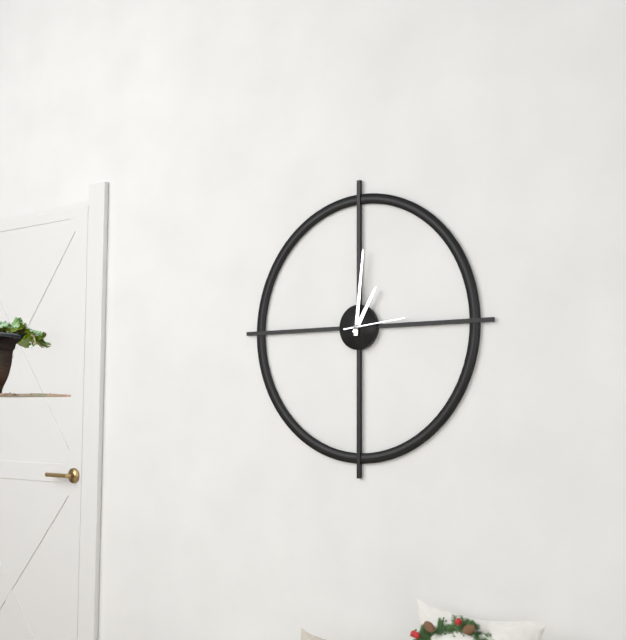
**1:01:14**
